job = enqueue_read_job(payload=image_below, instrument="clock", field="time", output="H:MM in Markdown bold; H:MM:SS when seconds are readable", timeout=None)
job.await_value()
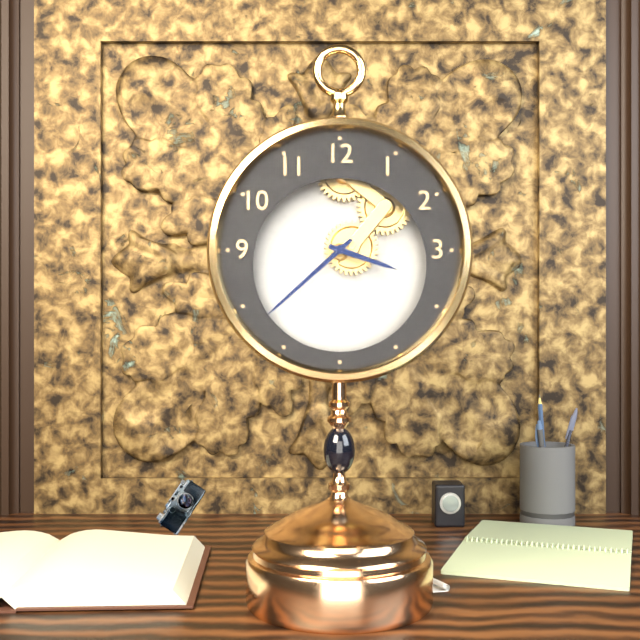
**3:38**
